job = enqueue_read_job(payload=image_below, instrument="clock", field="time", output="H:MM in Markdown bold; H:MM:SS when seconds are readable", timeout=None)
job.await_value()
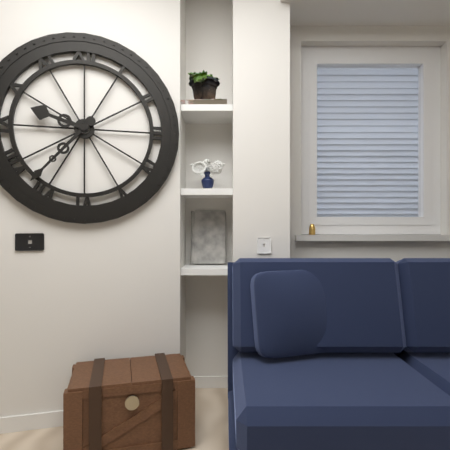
**9:37**
